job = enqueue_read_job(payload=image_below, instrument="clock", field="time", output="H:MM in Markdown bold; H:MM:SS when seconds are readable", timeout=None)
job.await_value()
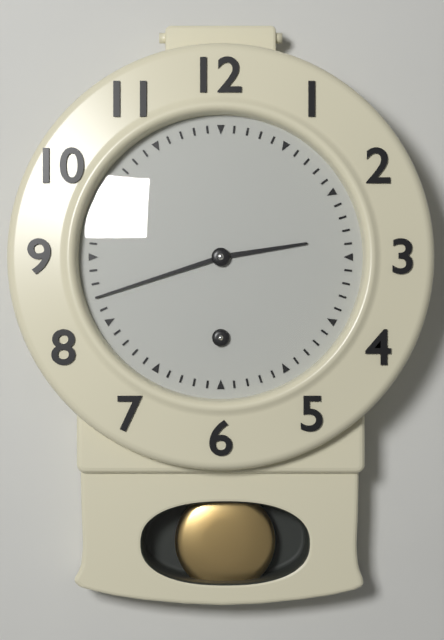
**2:42**
